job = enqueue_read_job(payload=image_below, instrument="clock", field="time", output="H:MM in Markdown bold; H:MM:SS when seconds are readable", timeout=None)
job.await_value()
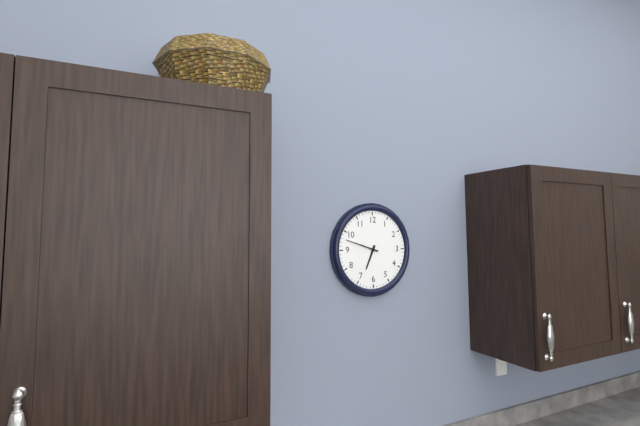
**6:48**
